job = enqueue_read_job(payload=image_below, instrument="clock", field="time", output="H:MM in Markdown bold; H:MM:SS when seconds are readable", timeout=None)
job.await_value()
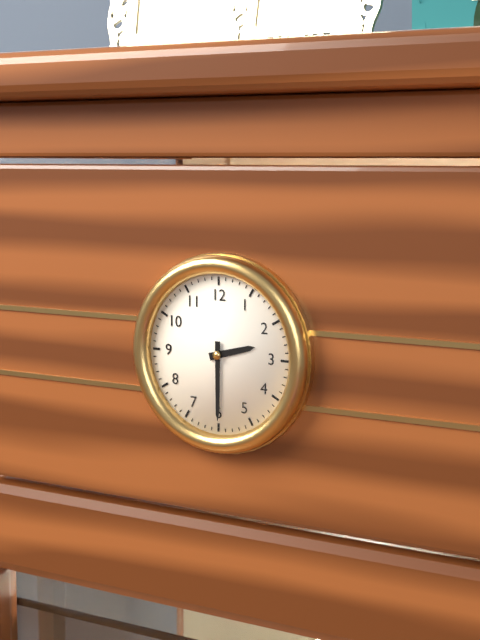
**2:30**
